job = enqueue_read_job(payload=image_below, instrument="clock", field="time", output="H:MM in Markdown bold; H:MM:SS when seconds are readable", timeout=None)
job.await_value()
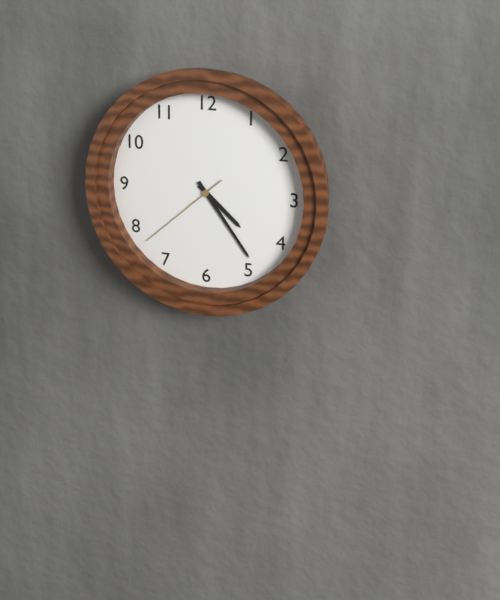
**4:24:38**
